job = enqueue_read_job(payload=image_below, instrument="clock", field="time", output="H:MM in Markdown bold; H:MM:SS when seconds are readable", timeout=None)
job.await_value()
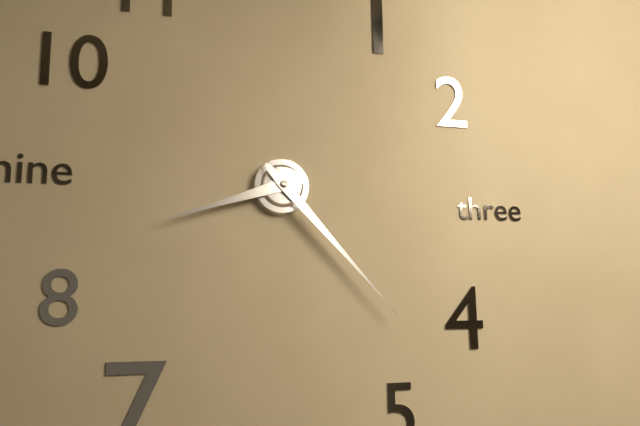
**8:23**
